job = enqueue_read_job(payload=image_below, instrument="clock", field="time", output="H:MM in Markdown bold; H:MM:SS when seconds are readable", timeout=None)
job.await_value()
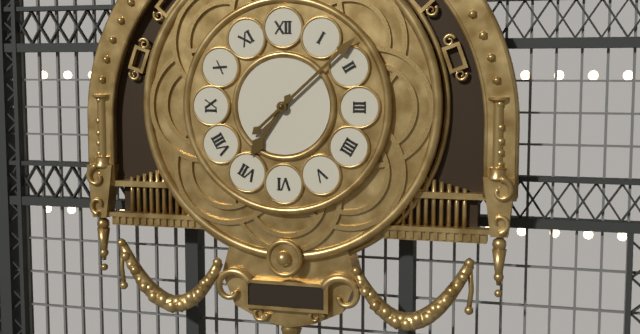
**7:08**
